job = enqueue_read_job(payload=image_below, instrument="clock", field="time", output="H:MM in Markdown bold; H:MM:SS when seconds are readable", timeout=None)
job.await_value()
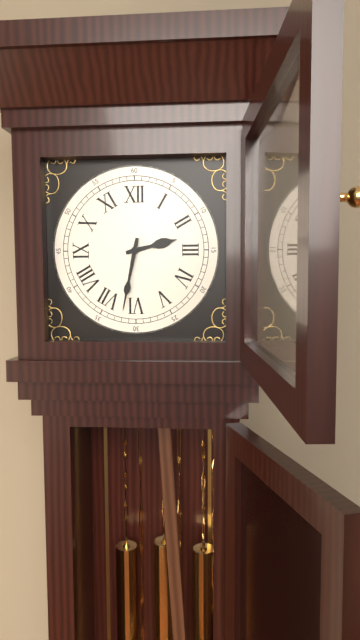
**2:32**
